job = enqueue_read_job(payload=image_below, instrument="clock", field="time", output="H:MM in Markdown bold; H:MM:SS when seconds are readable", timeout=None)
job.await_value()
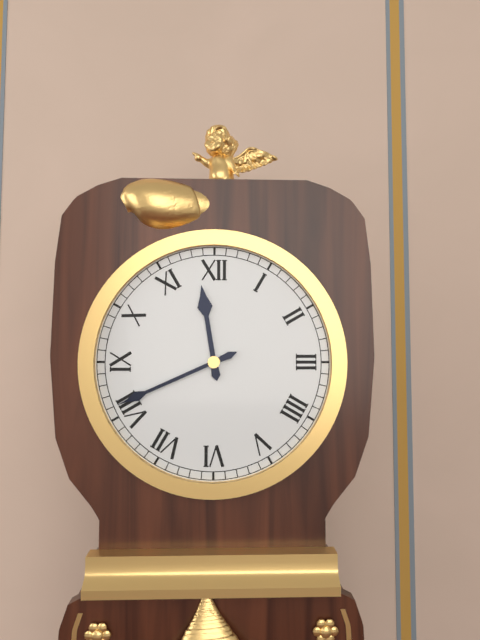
**11:41**
